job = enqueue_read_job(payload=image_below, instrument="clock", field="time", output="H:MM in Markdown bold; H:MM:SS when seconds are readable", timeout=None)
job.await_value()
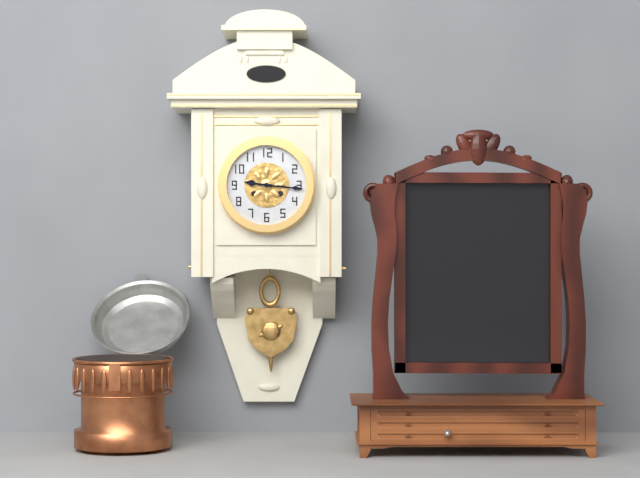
**9:16**
